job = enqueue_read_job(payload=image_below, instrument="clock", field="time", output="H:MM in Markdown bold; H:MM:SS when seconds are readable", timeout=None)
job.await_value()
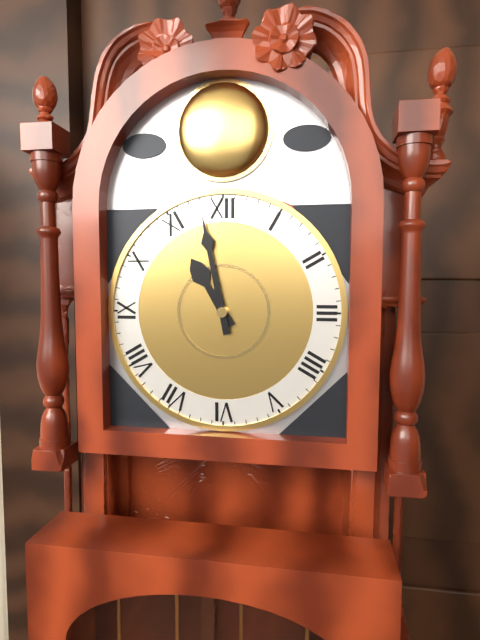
**10:58**
